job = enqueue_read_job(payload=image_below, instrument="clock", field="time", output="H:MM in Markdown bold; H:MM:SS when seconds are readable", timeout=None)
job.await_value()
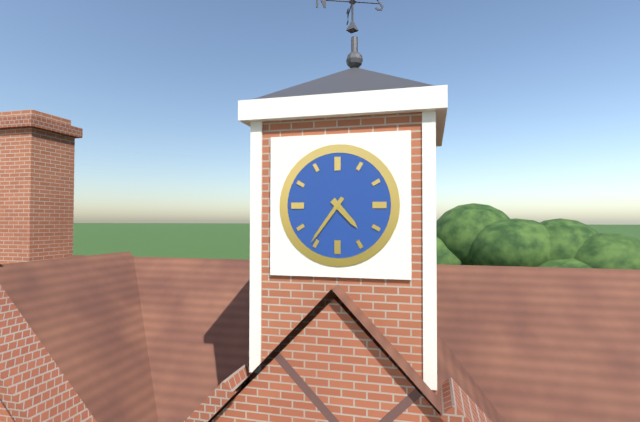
**4:36**
